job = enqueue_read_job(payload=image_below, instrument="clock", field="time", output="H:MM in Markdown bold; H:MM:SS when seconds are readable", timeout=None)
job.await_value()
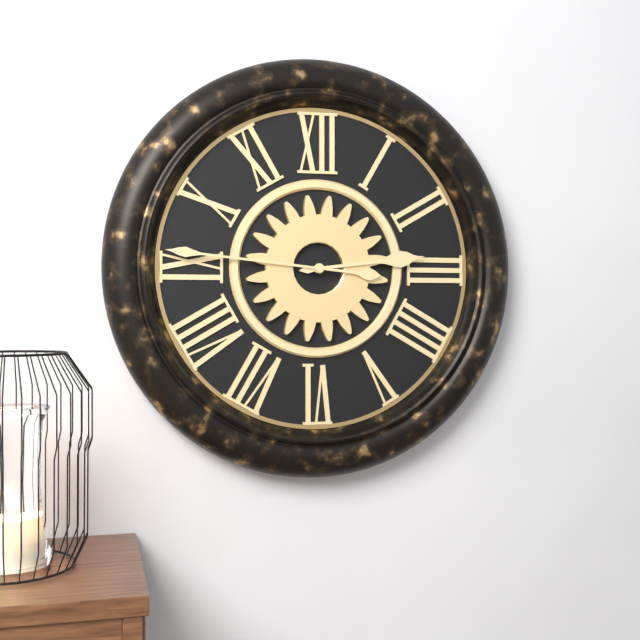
**2:46**
